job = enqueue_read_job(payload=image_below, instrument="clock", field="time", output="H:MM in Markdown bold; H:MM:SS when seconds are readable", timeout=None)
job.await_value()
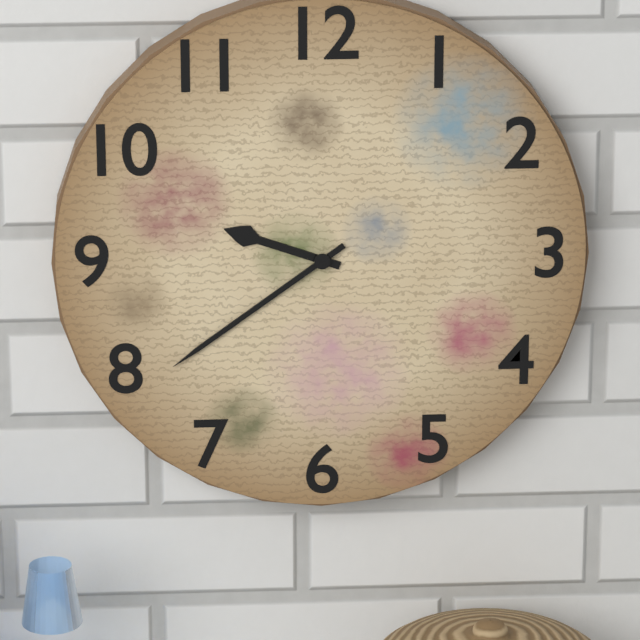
**9:39**
